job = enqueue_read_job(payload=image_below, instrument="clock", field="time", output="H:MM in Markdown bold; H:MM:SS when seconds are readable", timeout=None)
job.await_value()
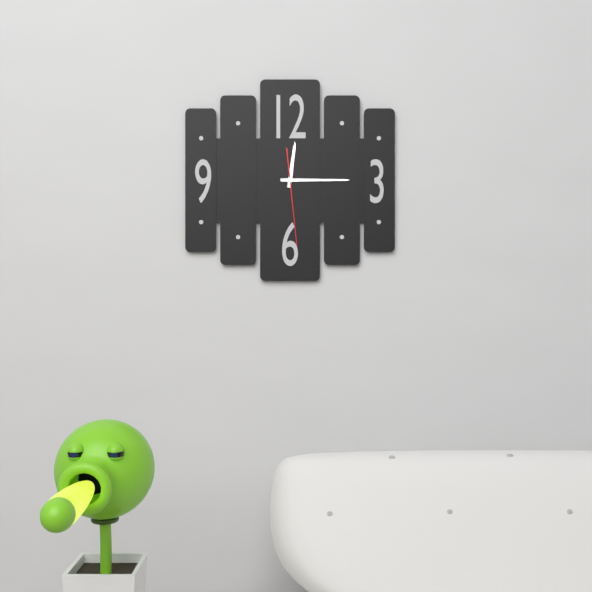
**12:15:29**
